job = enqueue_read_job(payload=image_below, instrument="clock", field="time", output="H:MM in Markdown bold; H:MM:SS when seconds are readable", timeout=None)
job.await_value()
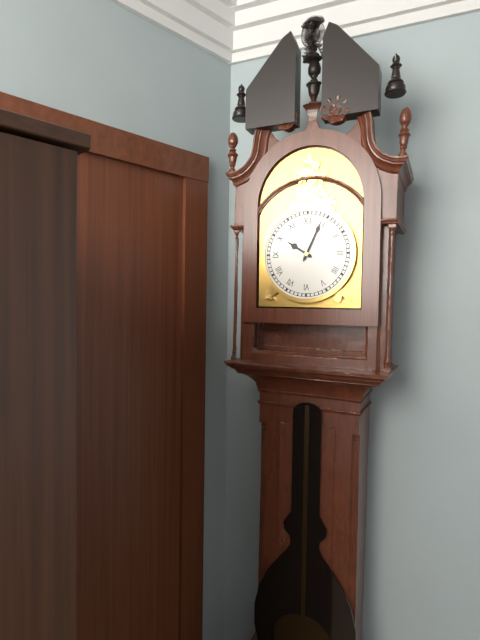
**10:04**
